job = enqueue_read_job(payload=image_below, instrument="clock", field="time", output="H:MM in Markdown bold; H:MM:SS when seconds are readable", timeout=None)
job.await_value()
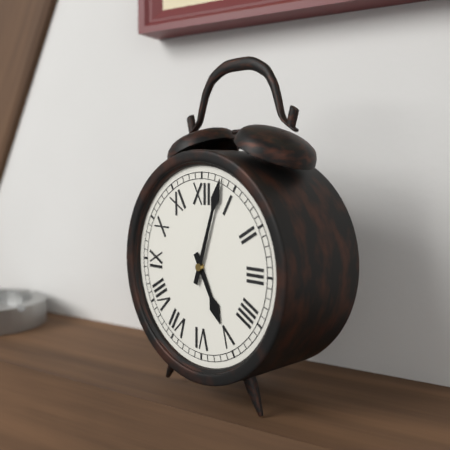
**5:03**
